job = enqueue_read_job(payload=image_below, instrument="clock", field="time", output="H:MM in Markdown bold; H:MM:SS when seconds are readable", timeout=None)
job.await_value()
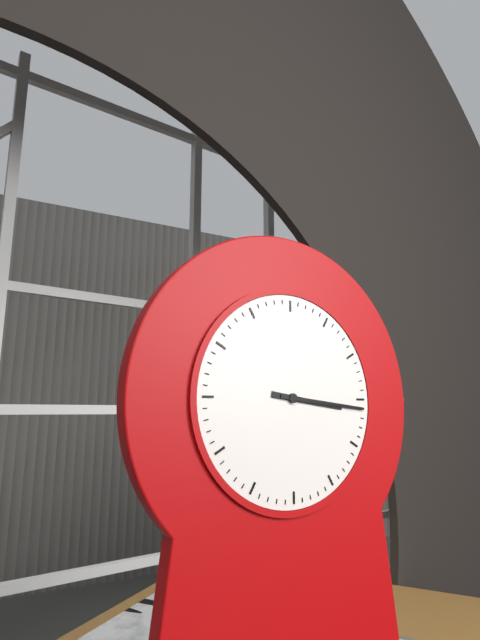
**3:16**
